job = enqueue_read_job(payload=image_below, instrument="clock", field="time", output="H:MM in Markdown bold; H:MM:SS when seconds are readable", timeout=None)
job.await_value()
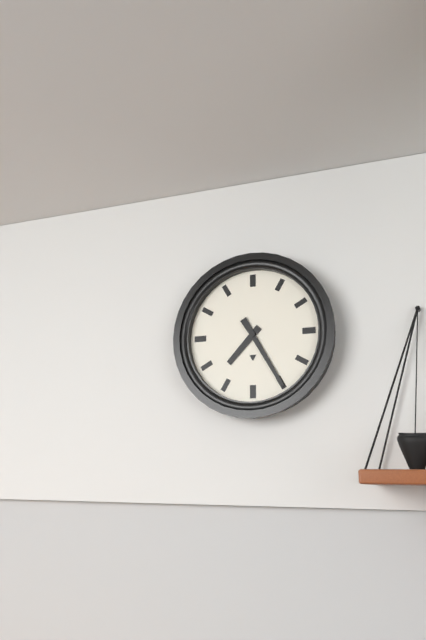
**7:25**
